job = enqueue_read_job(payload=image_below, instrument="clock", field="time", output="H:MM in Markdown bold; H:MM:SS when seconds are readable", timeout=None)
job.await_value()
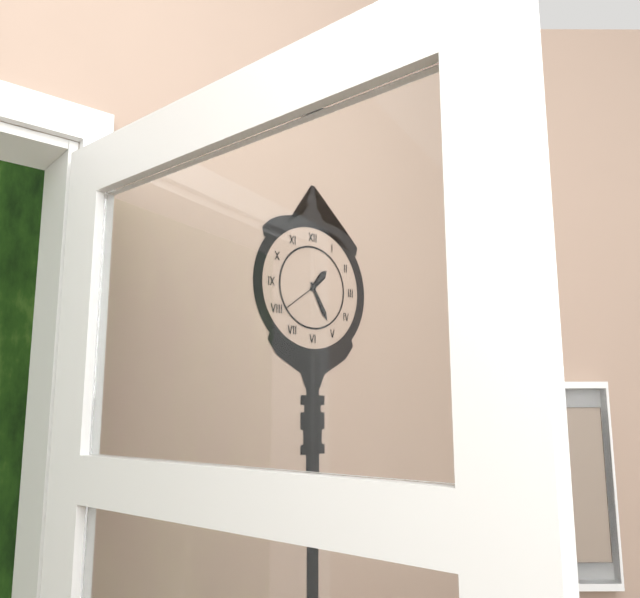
**1:25**
